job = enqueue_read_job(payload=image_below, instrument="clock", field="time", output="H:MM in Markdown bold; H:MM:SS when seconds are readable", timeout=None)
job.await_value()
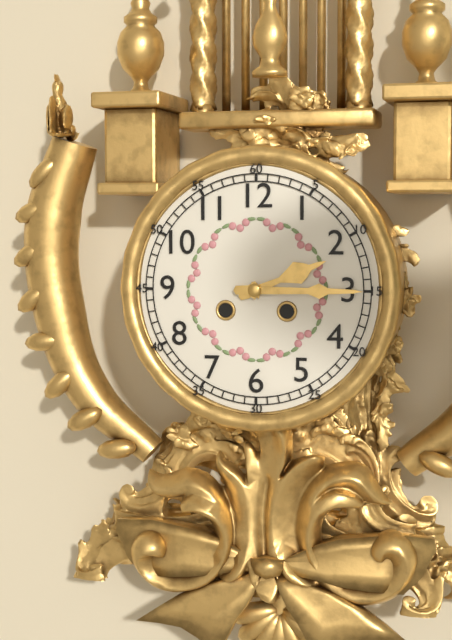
**2:15**
